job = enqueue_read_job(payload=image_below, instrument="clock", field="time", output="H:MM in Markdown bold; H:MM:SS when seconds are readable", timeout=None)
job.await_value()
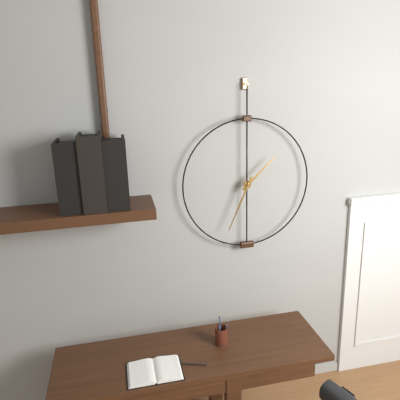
**1:34**
